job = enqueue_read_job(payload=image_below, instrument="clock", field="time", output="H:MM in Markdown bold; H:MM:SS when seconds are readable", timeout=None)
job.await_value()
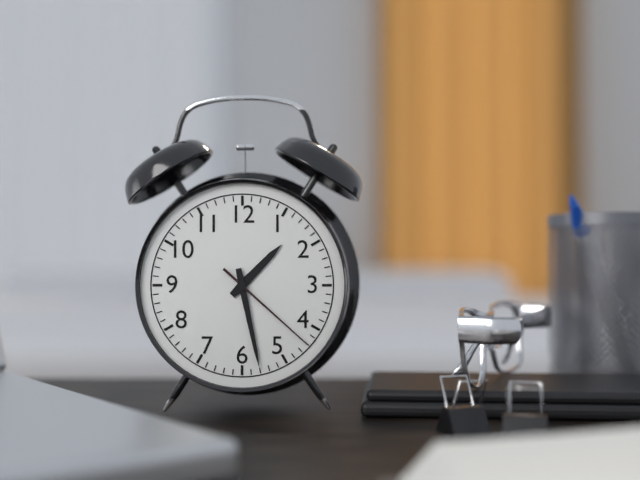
**1:28:22**
